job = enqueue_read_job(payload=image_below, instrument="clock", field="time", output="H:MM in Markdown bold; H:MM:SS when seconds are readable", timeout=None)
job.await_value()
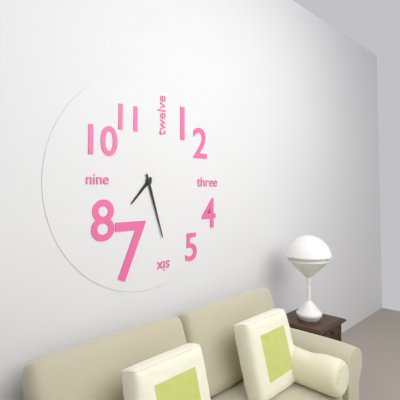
**7:27**
